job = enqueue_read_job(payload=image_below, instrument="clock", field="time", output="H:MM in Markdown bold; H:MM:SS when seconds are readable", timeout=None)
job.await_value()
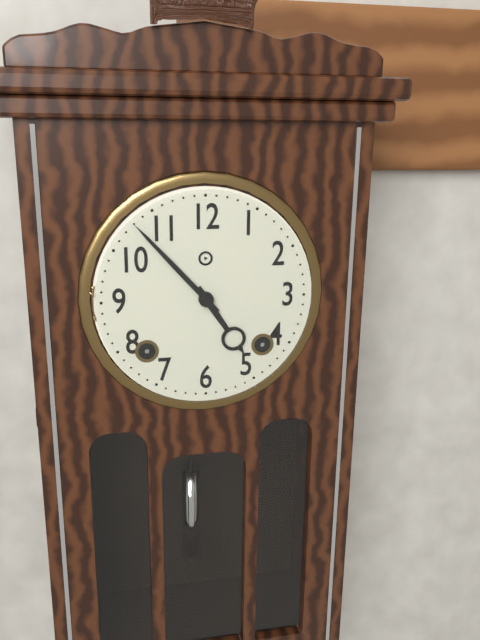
**4:53**
